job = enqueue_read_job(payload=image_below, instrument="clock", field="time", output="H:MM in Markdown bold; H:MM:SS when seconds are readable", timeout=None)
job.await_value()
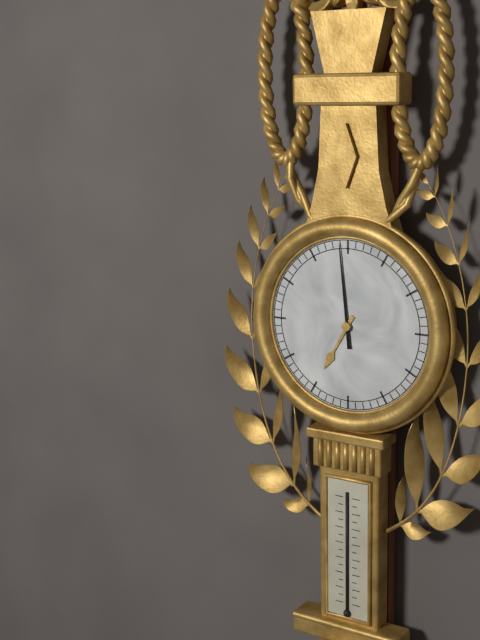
**6:59**
